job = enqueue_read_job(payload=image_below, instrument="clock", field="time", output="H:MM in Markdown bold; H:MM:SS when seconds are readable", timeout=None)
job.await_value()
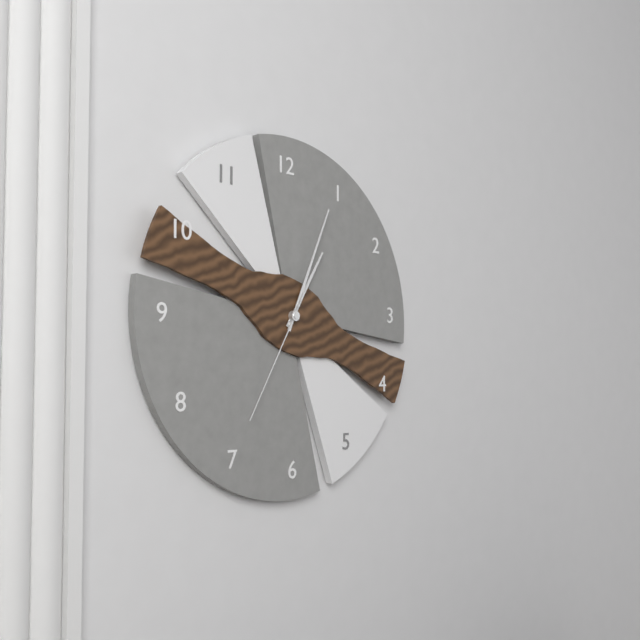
**1:04:35**
